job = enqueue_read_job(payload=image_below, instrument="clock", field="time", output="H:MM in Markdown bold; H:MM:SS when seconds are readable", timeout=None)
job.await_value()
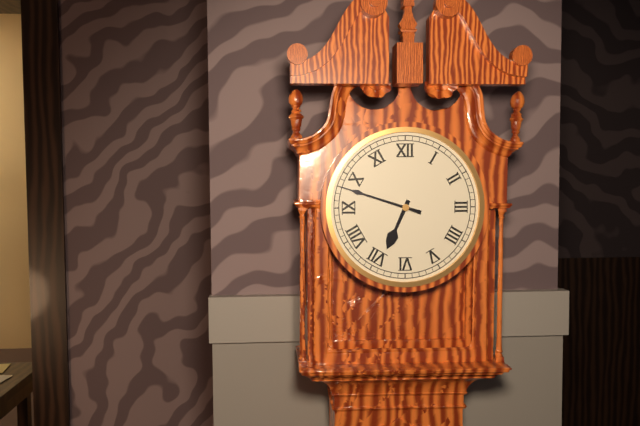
**6:48**
